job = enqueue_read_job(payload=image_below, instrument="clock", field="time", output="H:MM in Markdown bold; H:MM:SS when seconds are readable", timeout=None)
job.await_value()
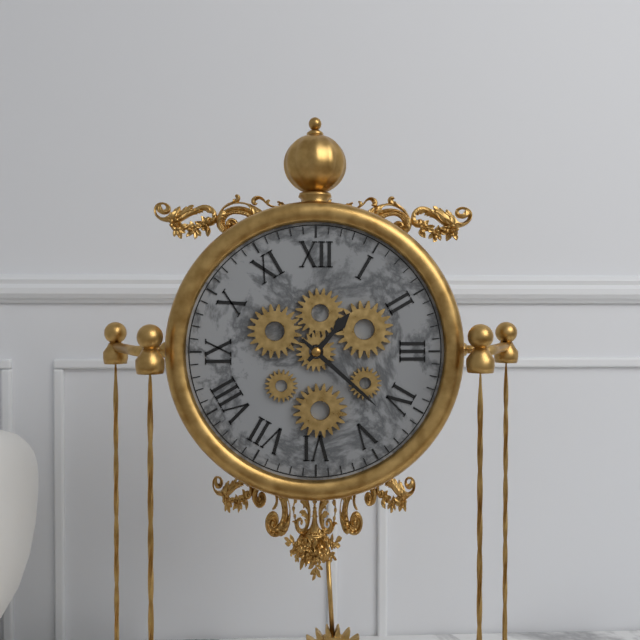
**1:22**
